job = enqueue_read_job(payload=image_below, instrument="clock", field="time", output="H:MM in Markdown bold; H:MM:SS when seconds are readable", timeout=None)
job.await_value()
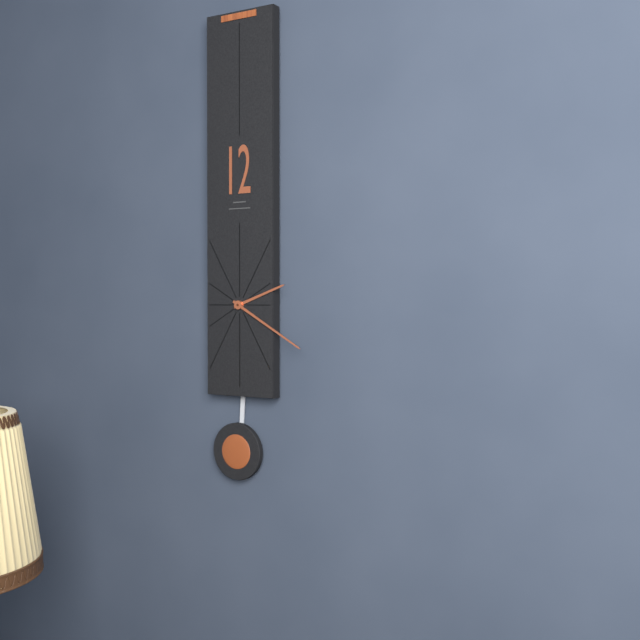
**2:20**
